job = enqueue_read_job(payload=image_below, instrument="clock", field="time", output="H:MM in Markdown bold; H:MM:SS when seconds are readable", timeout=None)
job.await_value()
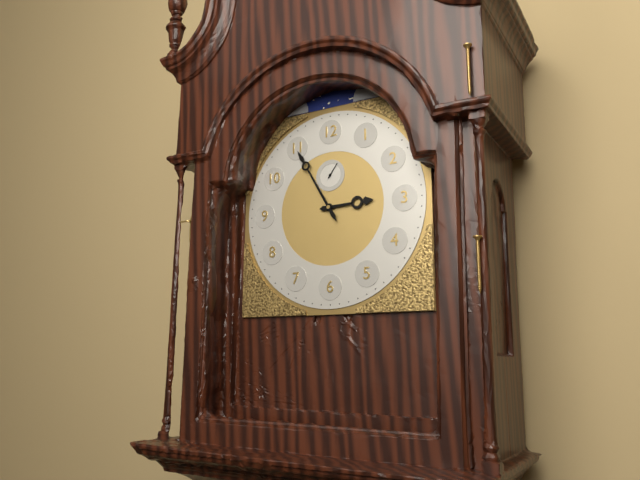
**2:55**
